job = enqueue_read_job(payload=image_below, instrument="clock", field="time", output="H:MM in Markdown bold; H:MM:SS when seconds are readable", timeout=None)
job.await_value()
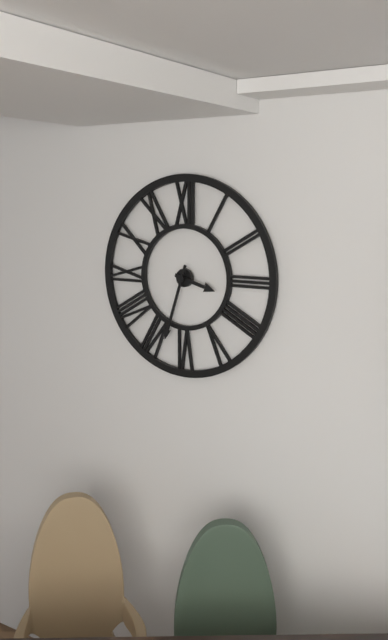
**3:33**
